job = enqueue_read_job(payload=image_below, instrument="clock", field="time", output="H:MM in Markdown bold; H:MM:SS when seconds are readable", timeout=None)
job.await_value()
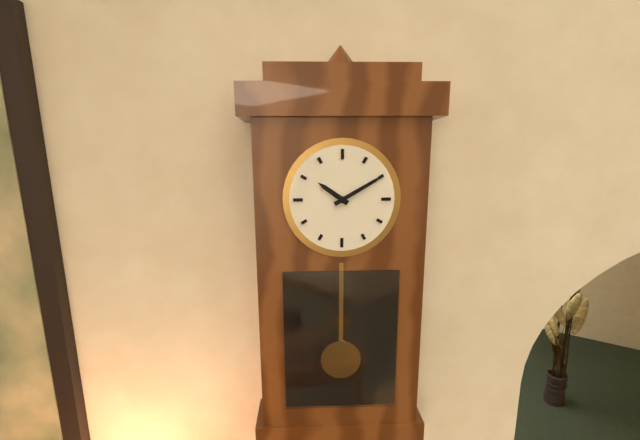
**10:10**
